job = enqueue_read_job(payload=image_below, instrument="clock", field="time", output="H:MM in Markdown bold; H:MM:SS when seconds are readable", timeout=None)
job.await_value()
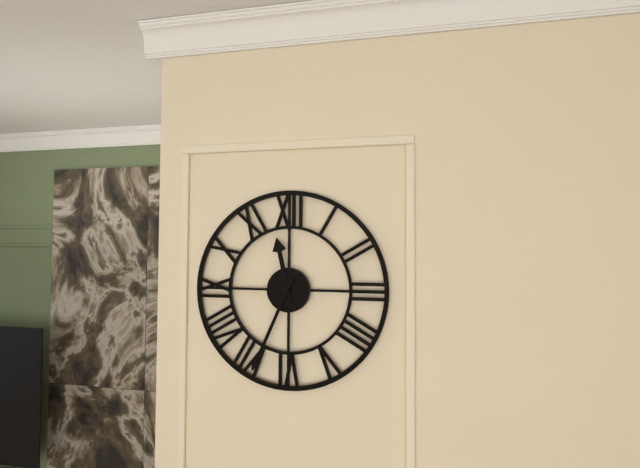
**11:34**
